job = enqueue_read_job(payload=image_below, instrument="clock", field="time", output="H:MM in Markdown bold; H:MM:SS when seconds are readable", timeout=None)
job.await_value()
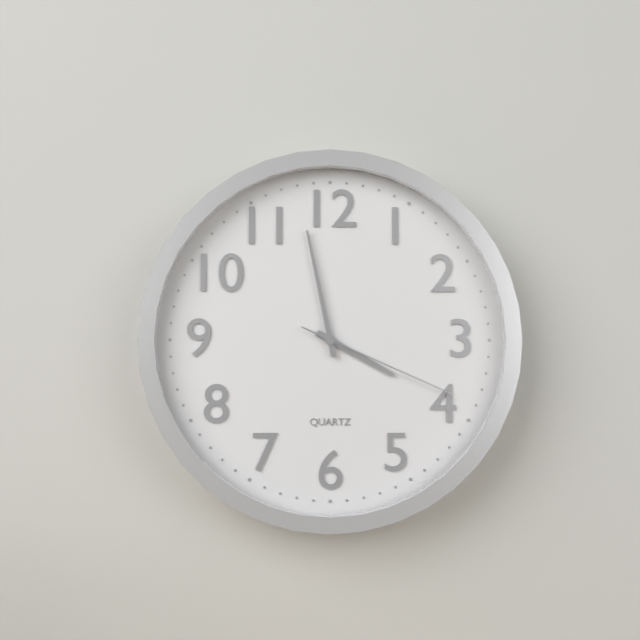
**3:58:19**
